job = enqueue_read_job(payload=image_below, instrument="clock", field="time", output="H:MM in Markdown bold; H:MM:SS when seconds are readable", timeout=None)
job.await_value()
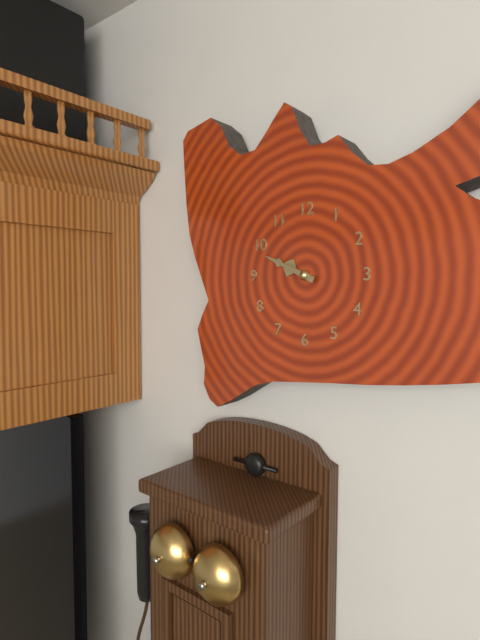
**9:49**
